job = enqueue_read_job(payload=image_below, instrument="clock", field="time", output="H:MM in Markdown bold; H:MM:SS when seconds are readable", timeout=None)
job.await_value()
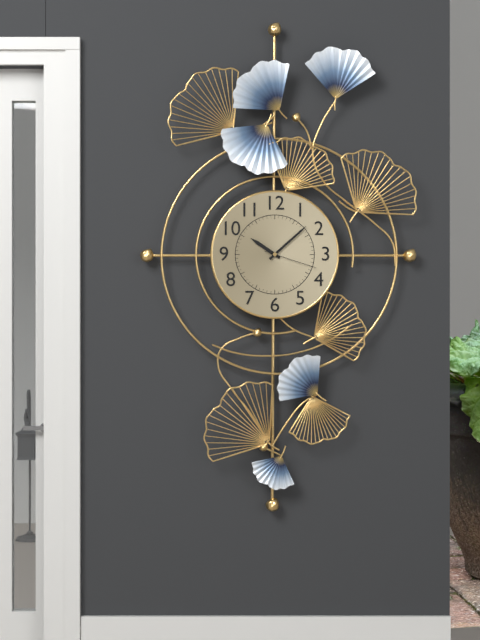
**10:08:18**
